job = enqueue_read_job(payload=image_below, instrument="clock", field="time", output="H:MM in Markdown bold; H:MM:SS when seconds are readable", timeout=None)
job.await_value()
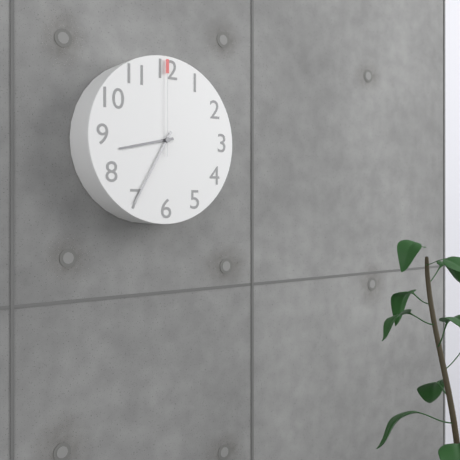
**8:35:00**
